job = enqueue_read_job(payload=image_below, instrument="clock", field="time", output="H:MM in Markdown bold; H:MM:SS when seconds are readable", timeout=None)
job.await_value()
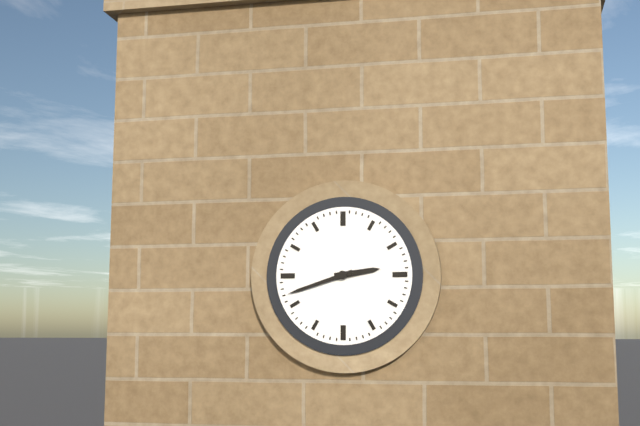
**2:42**
